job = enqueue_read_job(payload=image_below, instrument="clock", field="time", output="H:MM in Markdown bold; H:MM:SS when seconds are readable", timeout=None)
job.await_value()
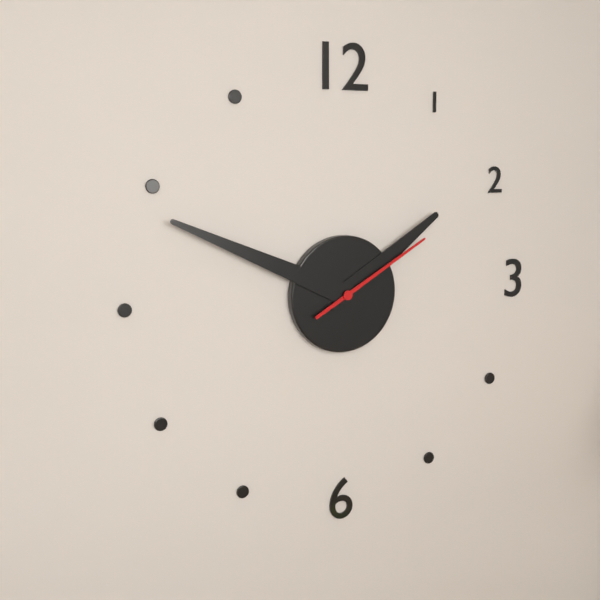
**1:49:10**
